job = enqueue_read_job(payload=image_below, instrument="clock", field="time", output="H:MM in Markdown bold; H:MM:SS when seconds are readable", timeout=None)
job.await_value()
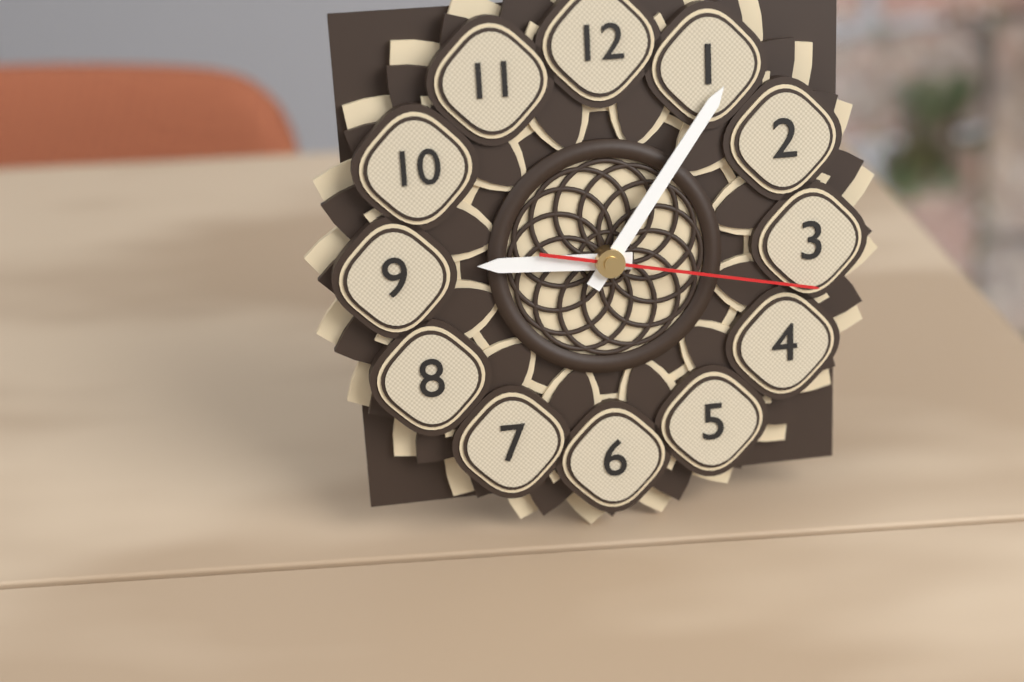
**9:06:17**
